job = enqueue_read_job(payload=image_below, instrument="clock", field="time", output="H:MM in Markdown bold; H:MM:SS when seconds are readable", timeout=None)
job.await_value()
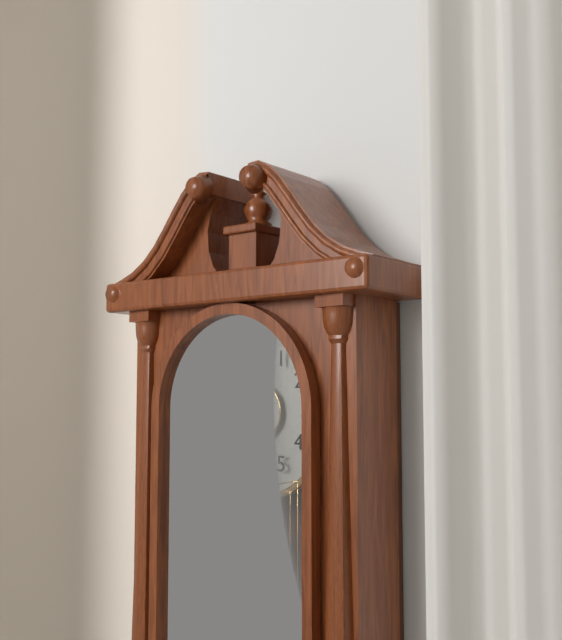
**7:29**
